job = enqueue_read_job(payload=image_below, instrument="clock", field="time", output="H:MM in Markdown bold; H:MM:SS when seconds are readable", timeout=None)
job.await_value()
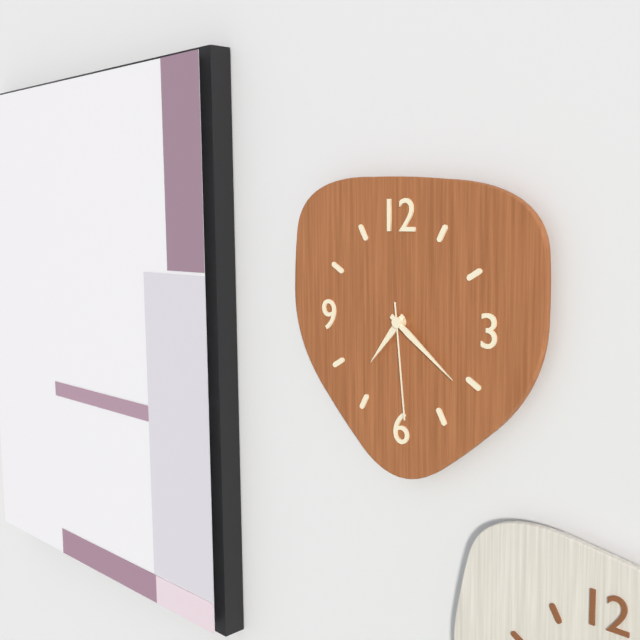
**7:21:29**
